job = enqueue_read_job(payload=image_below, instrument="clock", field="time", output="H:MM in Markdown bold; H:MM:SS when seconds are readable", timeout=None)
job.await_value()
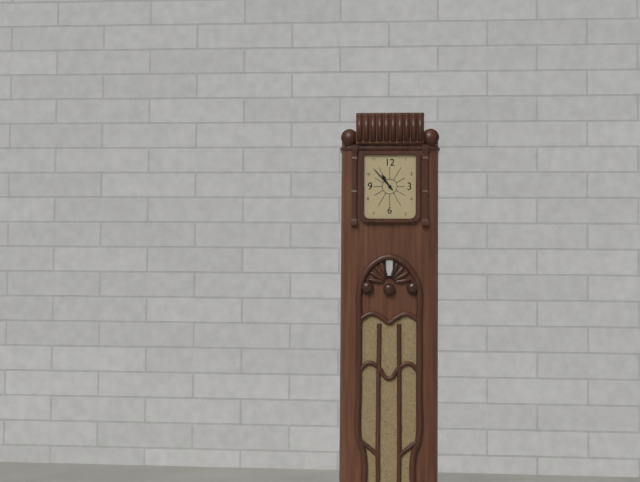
**10:53**
